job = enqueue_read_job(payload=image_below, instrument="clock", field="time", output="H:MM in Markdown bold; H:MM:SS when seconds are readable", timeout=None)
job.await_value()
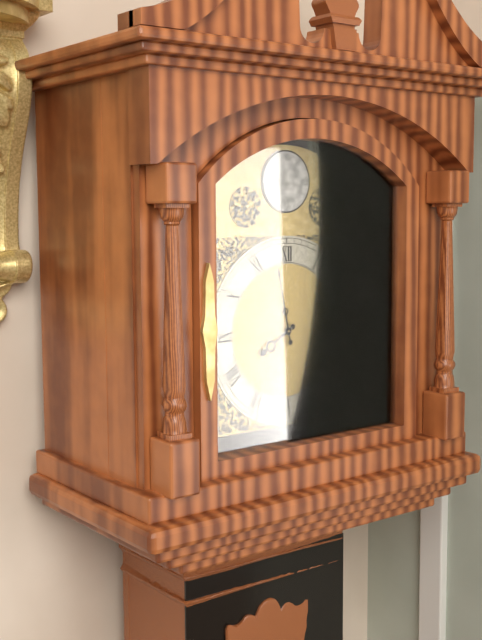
**7:58**
